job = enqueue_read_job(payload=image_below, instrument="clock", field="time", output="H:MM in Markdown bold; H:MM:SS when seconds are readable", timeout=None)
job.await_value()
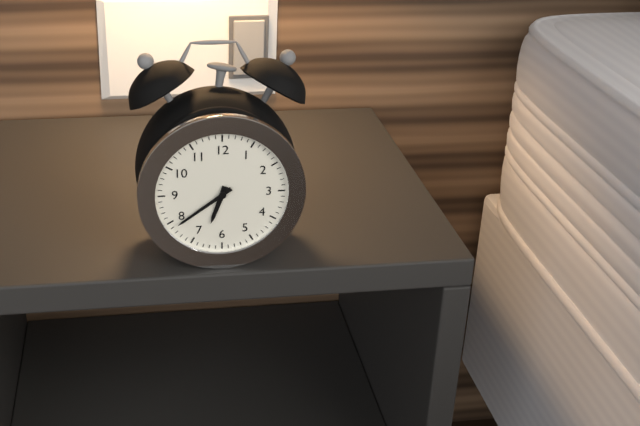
**6:39**
